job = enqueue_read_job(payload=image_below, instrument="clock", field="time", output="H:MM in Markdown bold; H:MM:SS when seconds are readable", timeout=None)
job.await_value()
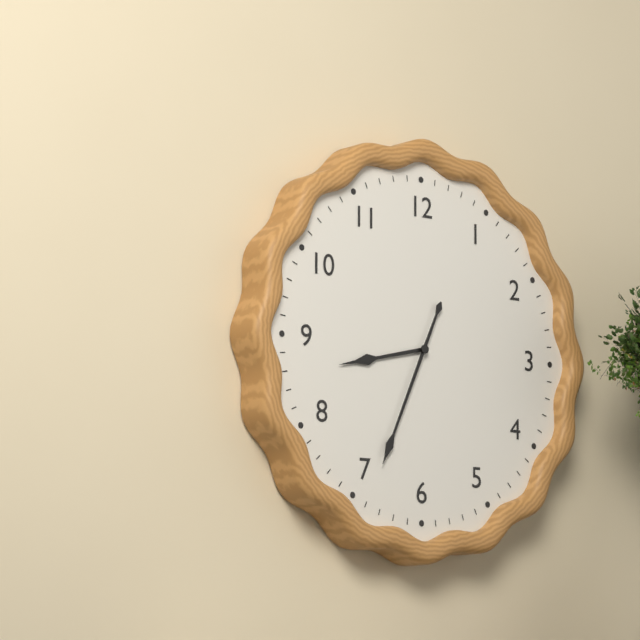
**8:34**
